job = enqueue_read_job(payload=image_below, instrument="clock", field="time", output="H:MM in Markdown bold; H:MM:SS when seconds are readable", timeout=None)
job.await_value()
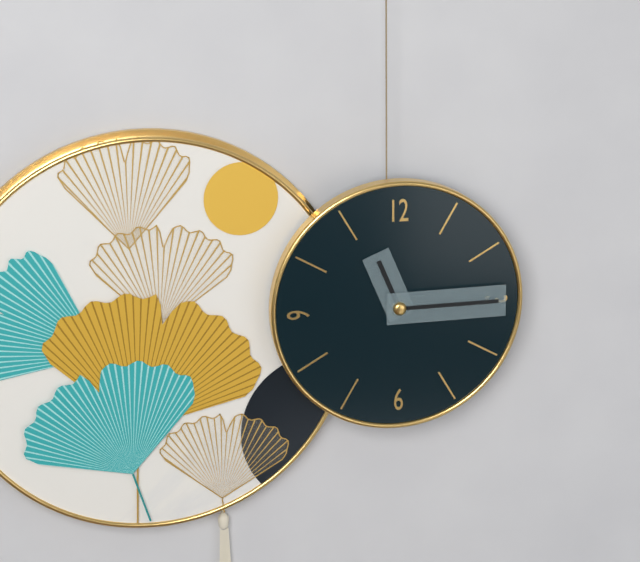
**11:15**
